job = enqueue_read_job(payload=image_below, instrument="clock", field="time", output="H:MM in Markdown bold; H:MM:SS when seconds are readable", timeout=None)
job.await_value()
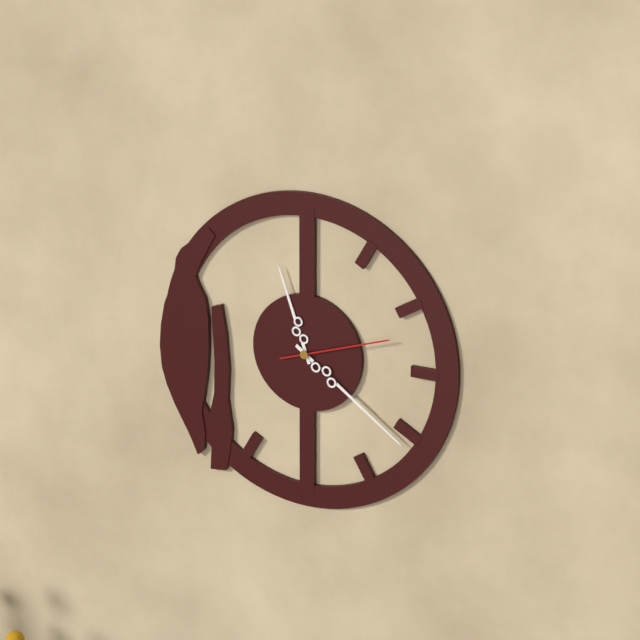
**11:21:12**
